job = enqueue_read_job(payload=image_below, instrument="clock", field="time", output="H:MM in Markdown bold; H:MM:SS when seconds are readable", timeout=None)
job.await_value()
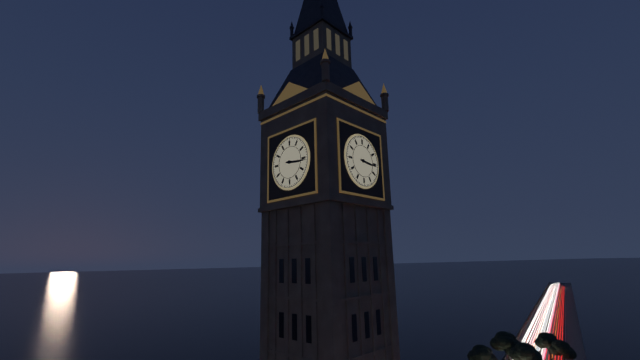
**3:16**
